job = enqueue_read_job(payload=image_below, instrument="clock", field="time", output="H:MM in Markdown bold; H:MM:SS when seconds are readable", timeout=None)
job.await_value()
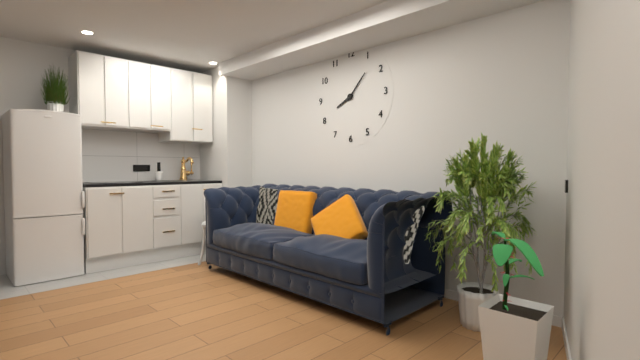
**8:07**
